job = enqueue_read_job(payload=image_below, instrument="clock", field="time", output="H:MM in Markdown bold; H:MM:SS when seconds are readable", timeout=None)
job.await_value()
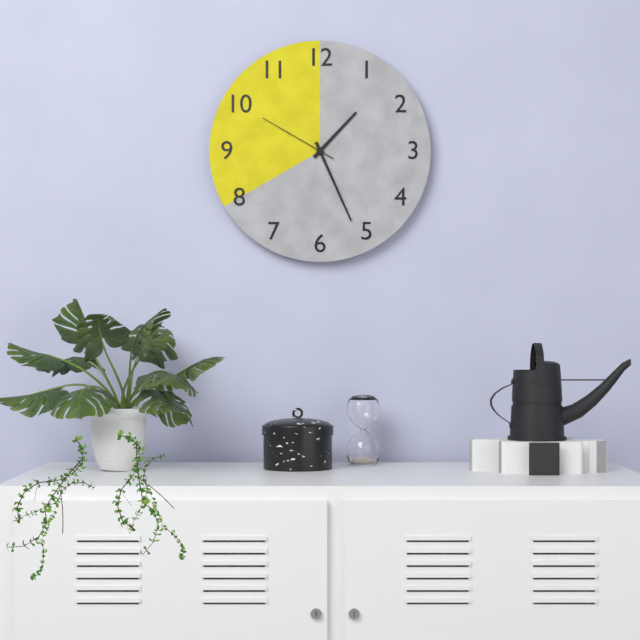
**1:26:50**
